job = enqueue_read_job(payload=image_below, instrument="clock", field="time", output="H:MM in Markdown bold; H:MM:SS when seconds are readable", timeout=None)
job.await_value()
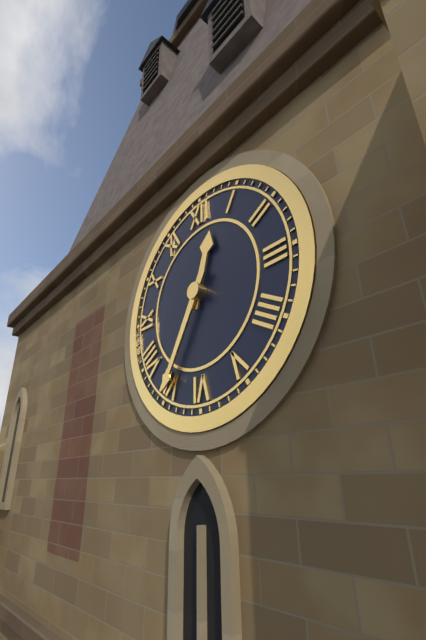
**12:35**
